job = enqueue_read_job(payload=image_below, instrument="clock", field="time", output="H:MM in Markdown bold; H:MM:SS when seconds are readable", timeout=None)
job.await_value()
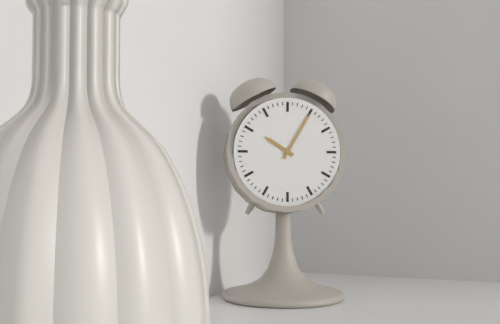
**10:05**
